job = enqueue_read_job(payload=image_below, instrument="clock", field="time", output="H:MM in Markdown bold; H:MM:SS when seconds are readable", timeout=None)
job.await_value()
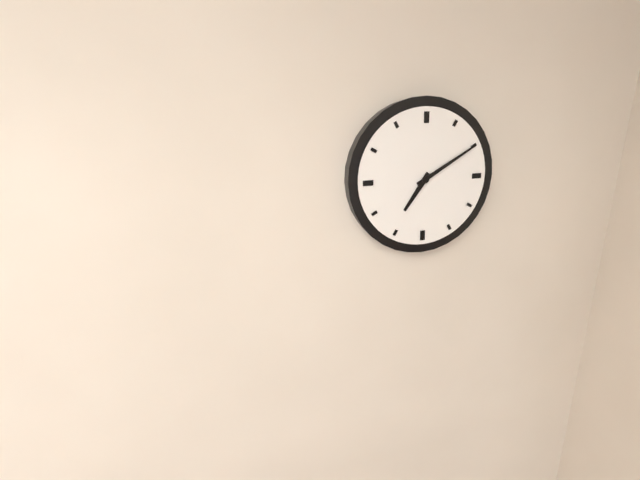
**7:10**
